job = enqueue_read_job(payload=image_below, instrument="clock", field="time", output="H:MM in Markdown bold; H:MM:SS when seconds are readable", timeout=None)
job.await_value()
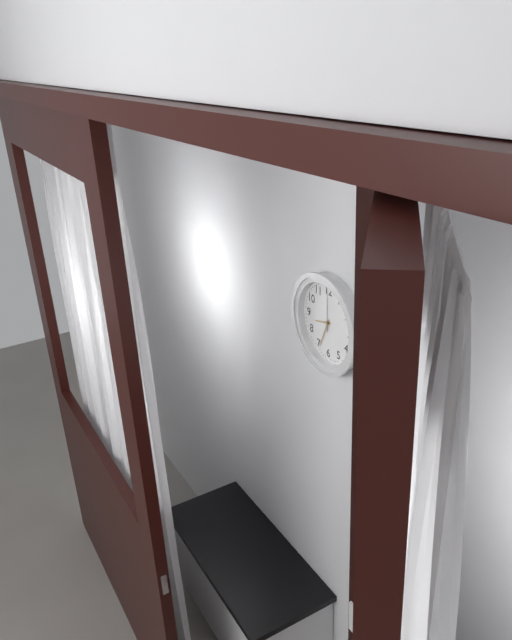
**8:34**
